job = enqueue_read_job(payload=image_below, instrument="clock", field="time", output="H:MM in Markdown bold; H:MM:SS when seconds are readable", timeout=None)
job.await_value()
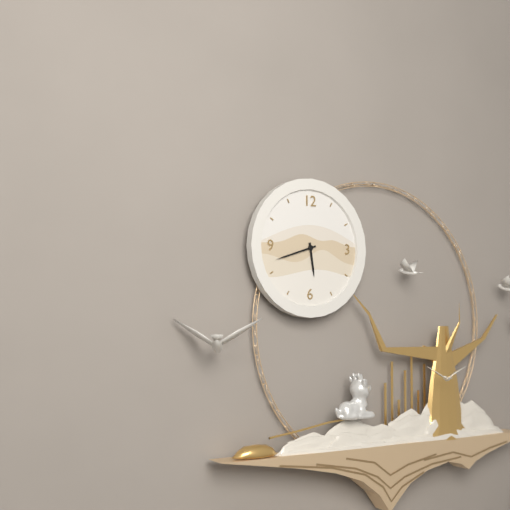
**5:42**
